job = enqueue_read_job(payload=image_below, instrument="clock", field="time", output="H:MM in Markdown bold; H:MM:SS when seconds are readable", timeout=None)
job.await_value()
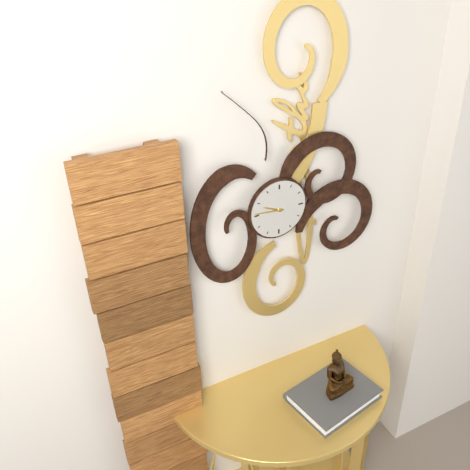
**9:46**
